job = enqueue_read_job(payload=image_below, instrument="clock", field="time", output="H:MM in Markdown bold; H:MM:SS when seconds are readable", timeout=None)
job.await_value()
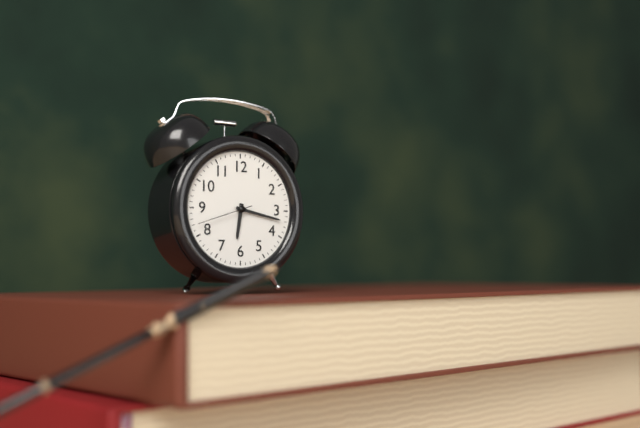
**6:17:42**
